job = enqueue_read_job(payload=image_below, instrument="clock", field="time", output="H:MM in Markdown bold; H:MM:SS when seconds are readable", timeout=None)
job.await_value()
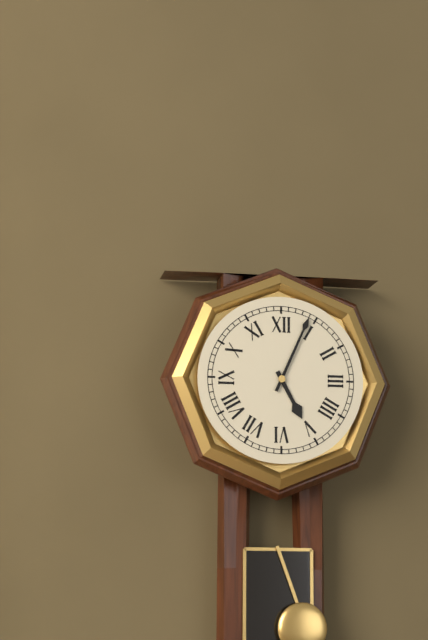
**5:04**
